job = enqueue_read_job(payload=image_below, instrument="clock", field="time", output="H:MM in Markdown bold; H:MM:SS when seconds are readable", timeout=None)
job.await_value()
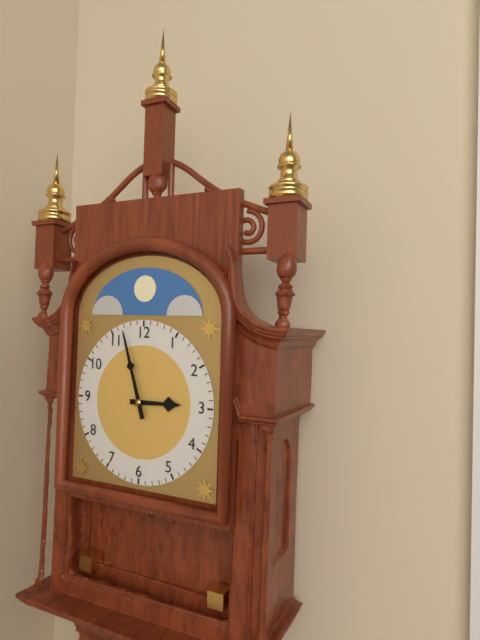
**2:57**
